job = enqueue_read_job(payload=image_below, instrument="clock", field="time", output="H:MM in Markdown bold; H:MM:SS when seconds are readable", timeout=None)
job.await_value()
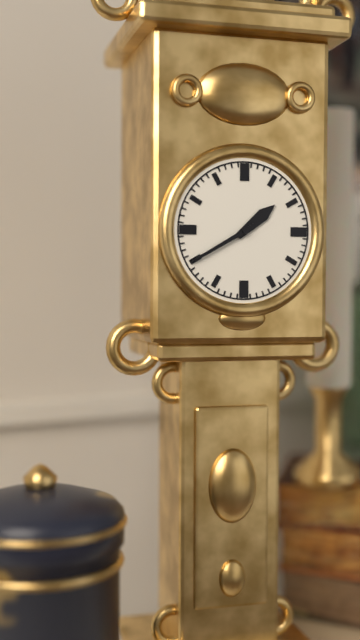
**1:40**
